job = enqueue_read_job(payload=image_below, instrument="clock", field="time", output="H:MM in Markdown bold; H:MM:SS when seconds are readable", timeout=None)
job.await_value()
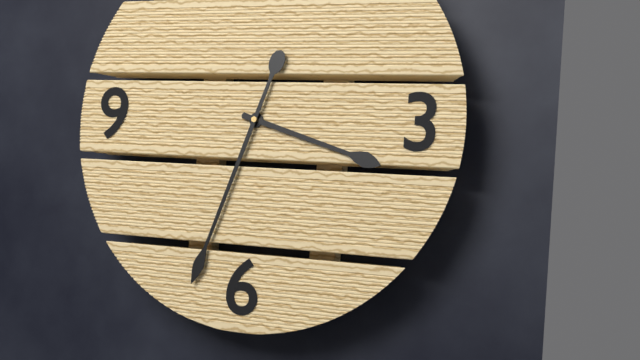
**3:33**
